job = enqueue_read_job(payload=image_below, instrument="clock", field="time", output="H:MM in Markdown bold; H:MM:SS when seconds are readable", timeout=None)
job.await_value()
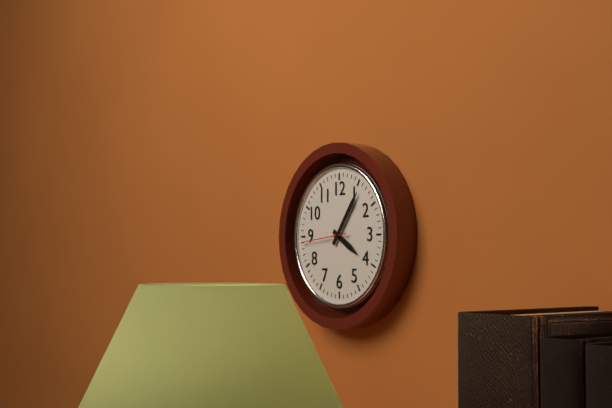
**4:06**
